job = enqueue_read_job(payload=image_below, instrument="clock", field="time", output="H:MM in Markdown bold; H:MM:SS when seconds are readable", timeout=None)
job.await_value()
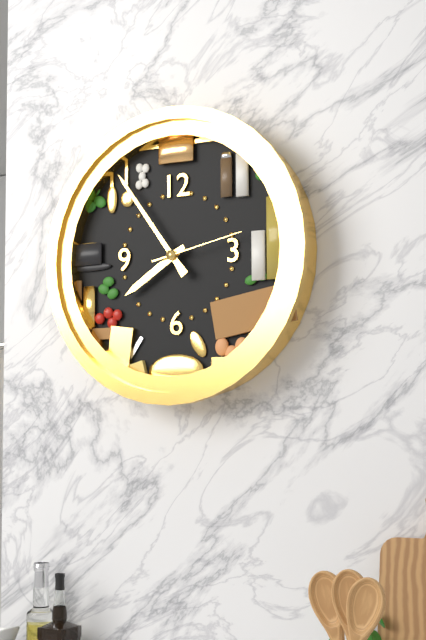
**7:54:13**
